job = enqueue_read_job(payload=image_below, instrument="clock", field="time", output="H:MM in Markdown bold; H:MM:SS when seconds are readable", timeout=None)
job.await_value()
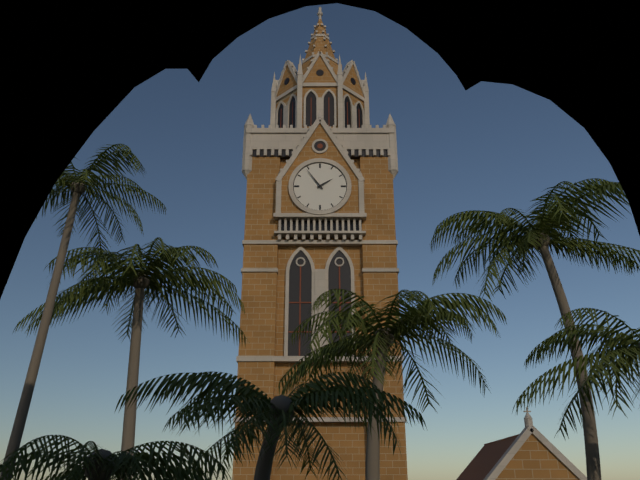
**1:54**
